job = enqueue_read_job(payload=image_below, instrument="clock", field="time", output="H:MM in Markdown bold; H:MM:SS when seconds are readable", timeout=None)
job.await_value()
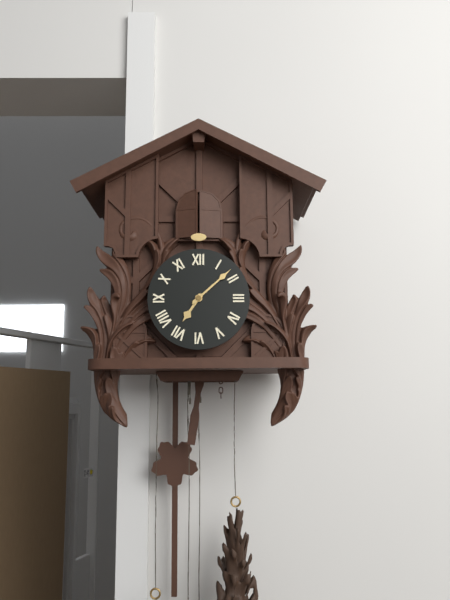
**7:08**
